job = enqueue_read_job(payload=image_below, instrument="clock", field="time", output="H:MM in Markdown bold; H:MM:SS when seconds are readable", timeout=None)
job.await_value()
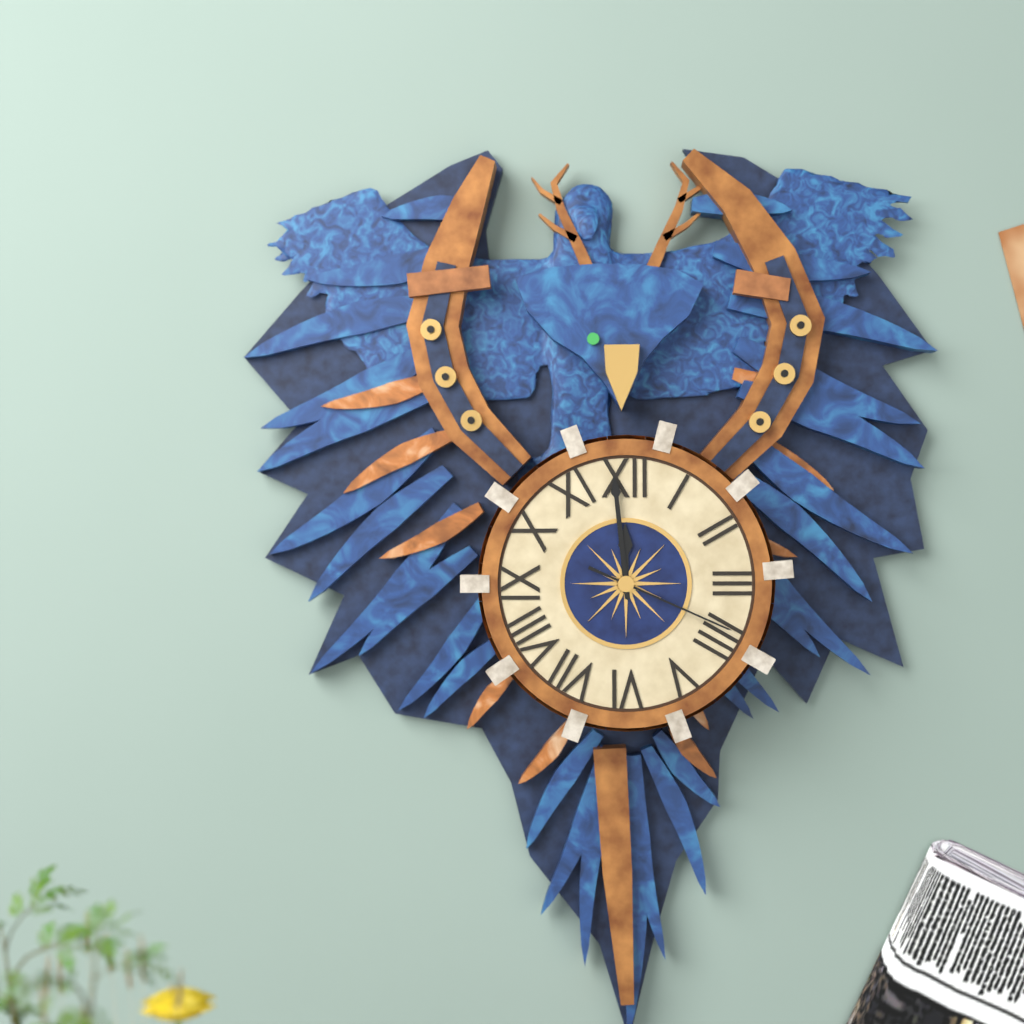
**11:59:19**
